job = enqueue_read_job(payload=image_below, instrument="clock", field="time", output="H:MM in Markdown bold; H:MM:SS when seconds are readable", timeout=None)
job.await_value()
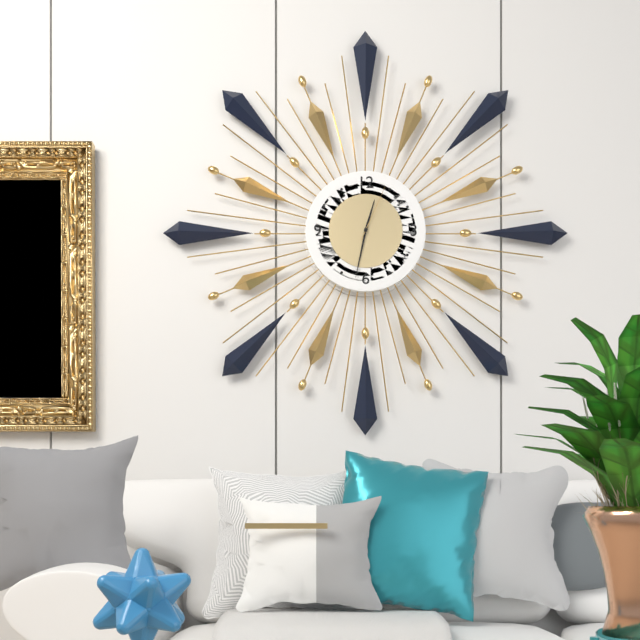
**12:32:04**
